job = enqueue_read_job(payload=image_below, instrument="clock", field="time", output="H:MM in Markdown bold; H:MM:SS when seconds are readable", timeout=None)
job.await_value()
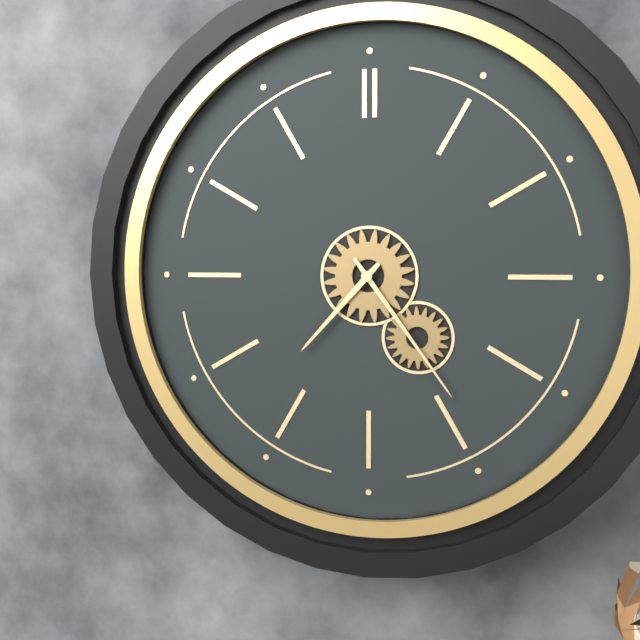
**7:24**
